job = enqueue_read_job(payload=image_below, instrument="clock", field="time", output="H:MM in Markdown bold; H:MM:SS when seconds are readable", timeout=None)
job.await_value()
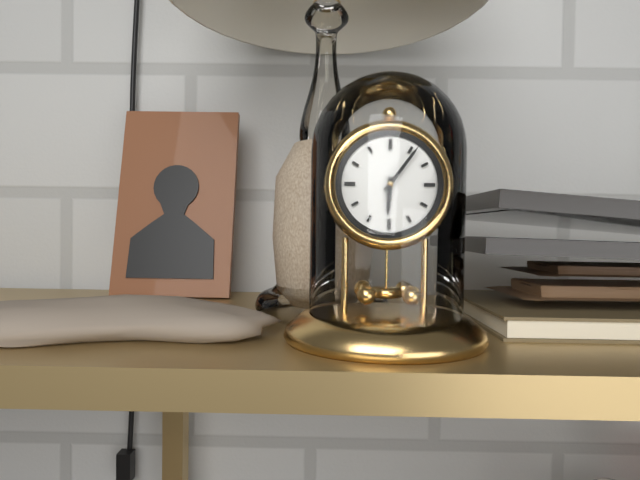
**6:06**
